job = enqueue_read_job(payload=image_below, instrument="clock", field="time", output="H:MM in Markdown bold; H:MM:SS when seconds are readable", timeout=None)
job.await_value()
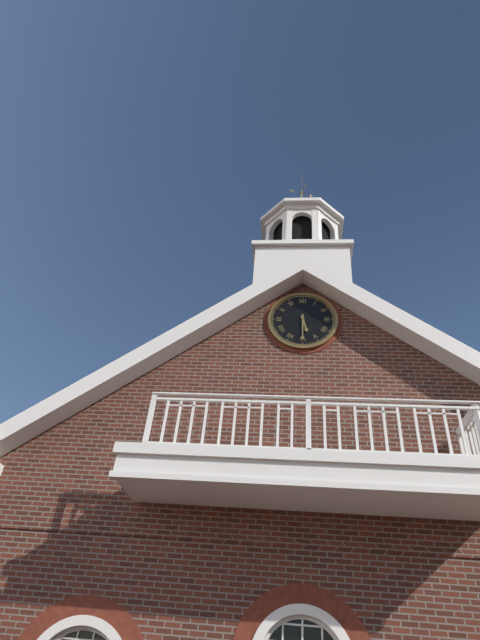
**5:30**
